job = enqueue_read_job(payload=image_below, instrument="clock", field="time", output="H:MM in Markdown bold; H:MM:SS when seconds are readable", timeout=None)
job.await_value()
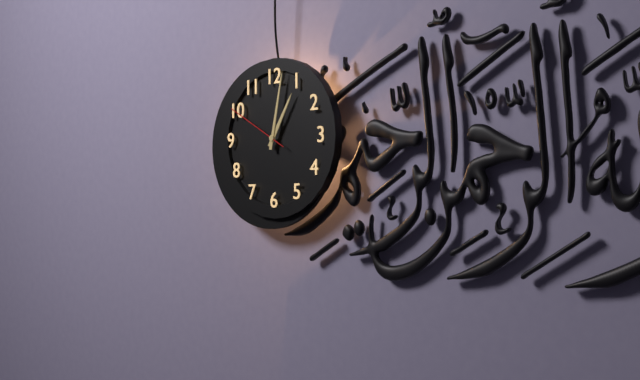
**1:02:50**
